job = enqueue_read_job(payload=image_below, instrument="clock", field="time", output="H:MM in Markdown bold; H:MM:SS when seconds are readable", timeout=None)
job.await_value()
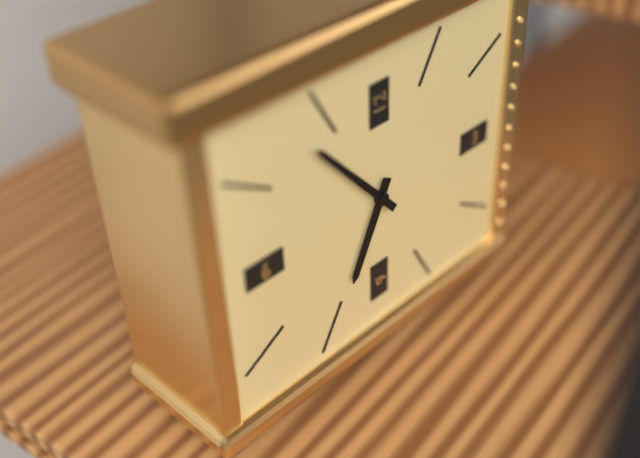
**6:53**
